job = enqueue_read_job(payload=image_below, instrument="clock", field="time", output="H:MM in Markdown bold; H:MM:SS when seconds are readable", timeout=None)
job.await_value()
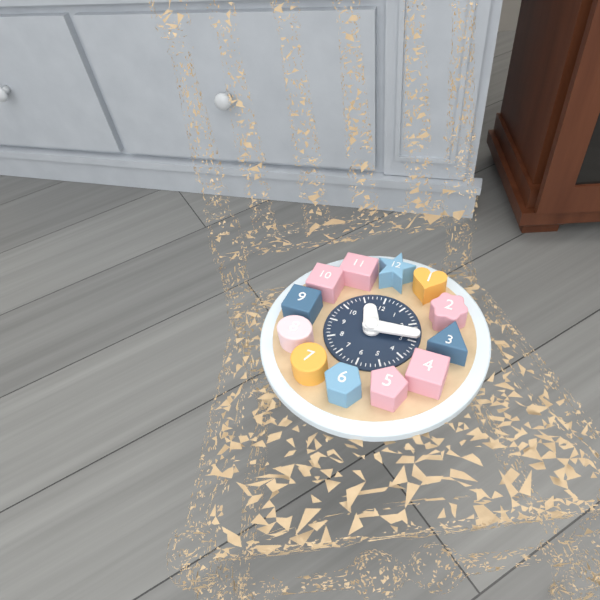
**11:14**
